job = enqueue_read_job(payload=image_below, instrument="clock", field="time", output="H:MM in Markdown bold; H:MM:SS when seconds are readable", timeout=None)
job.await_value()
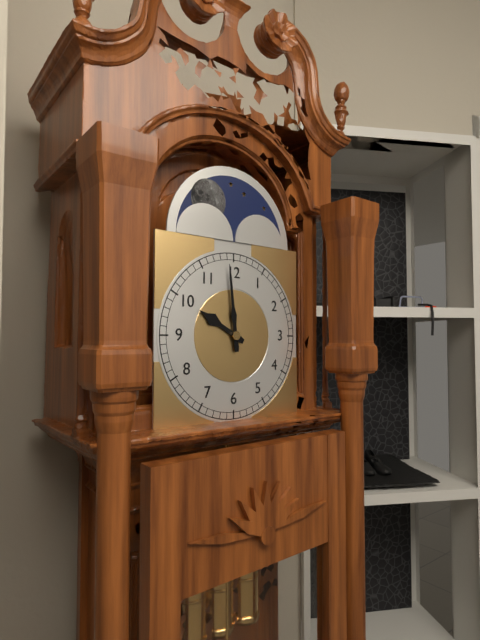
**9:59**
